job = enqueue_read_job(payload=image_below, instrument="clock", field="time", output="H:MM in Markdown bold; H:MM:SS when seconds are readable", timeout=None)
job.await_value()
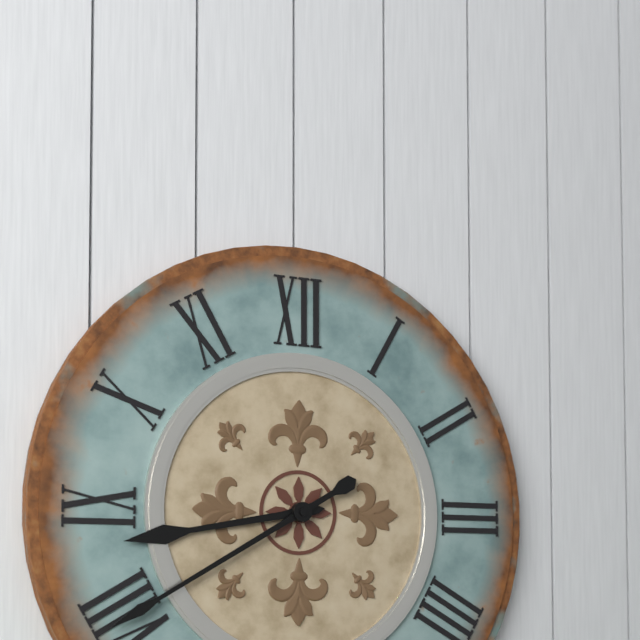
**8:40**
